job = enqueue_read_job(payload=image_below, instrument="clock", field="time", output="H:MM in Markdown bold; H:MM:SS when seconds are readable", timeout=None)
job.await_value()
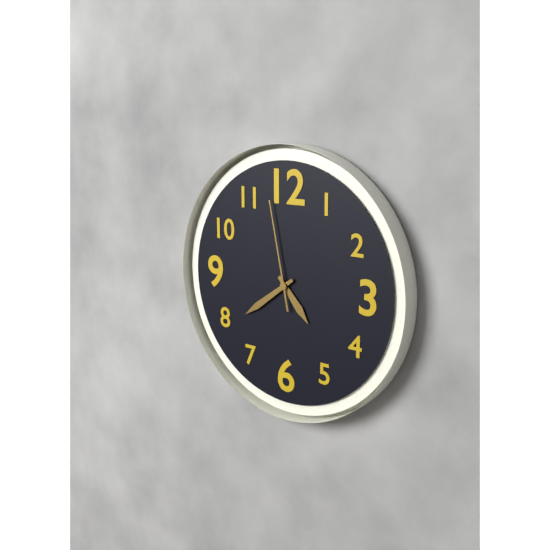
**4:39:58**
